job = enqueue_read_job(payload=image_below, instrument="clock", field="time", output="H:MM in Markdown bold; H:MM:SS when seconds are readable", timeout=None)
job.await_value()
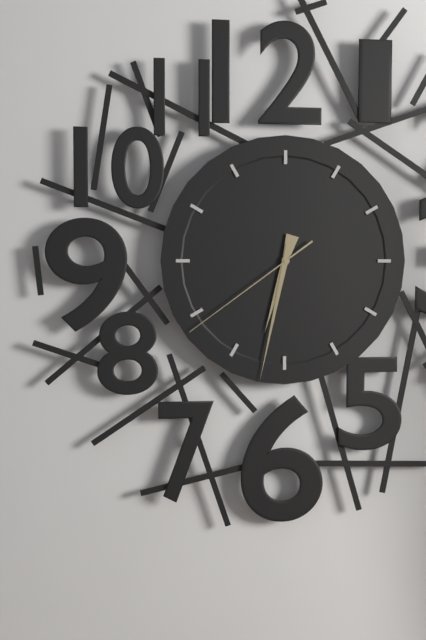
**6:32:39**
